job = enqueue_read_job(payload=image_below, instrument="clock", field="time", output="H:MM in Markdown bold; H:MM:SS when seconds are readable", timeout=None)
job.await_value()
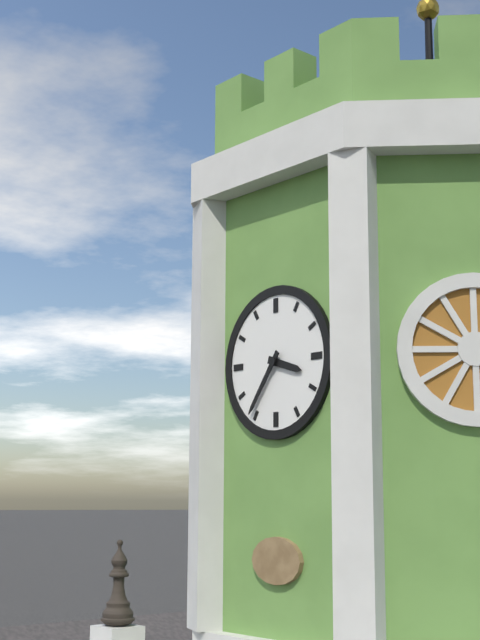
**3:36**
